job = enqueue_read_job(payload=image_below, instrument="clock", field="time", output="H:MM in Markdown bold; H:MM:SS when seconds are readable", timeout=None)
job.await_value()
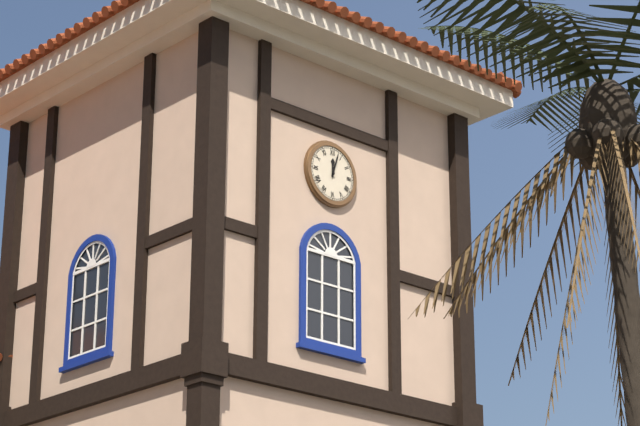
**12:03**
